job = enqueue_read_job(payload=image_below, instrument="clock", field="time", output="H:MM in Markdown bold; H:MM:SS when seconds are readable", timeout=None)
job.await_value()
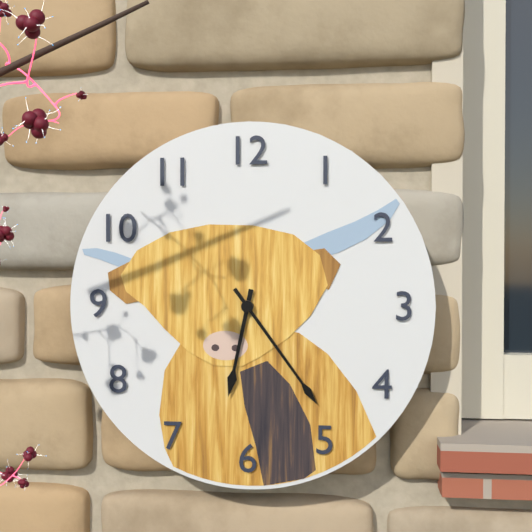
**6:24**
